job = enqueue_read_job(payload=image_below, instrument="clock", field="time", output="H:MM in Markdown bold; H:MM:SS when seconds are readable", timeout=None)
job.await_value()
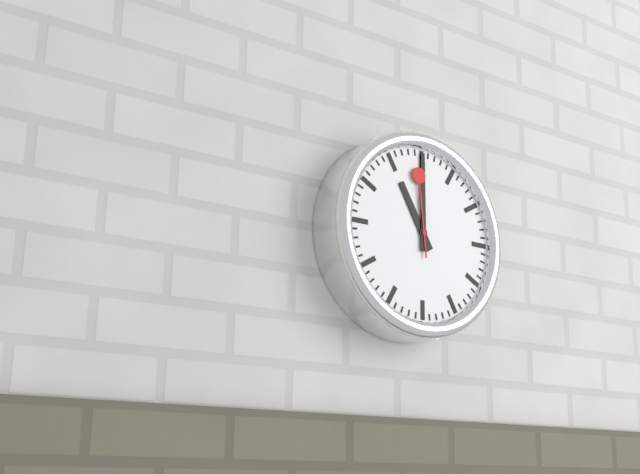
**11:00:59**
